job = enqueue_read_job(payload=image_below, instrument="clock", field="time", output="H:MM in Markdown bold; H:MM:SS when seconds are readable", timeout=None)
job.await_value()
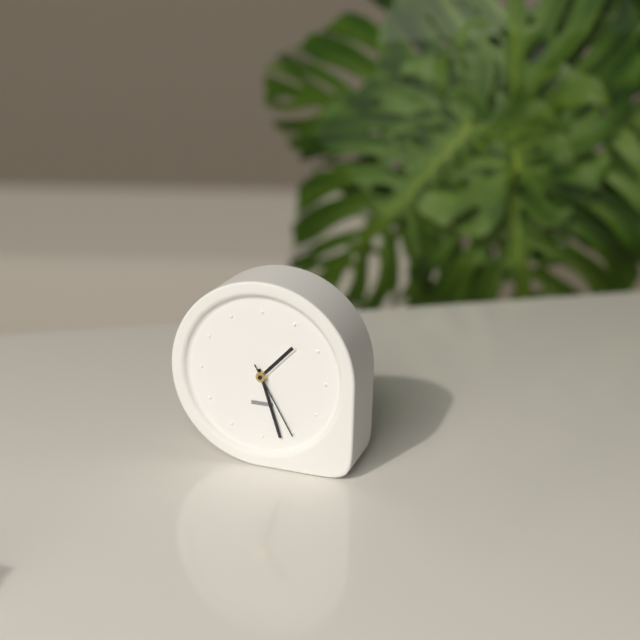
**1:27:25**
